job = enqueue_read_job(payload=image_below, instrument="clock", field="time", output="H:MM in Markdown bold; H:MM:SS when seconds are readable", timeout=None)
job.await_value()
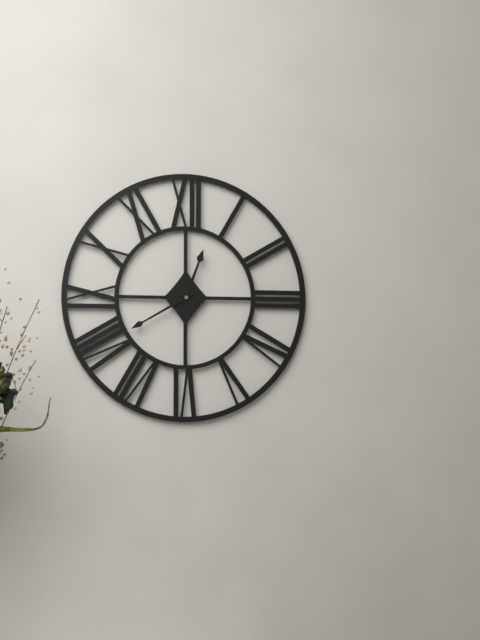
**12:40**
